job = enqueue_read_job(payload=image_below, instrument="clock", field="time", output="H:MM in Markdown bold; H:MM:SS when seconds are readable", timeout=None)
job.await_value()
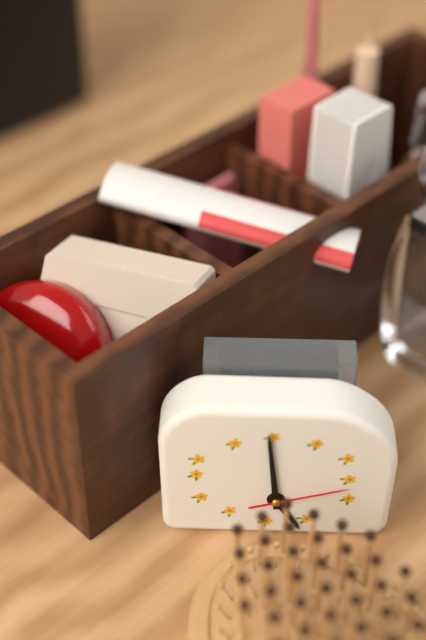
**4:59:12**
